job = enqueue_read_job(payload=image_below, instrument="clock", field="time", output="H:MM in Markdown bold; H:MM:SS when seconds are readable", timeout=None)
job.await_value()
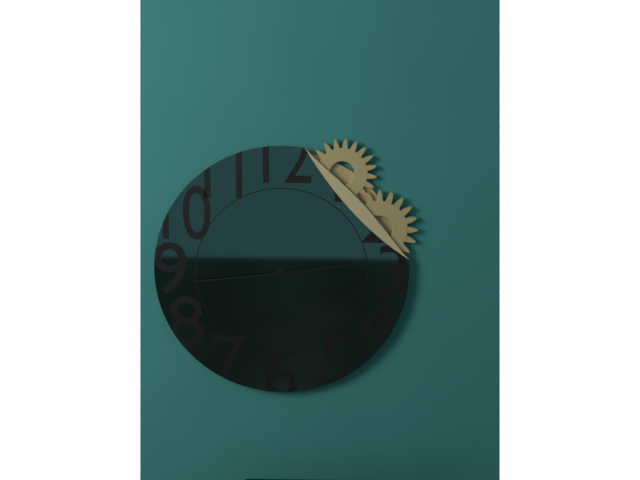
**2:44**
